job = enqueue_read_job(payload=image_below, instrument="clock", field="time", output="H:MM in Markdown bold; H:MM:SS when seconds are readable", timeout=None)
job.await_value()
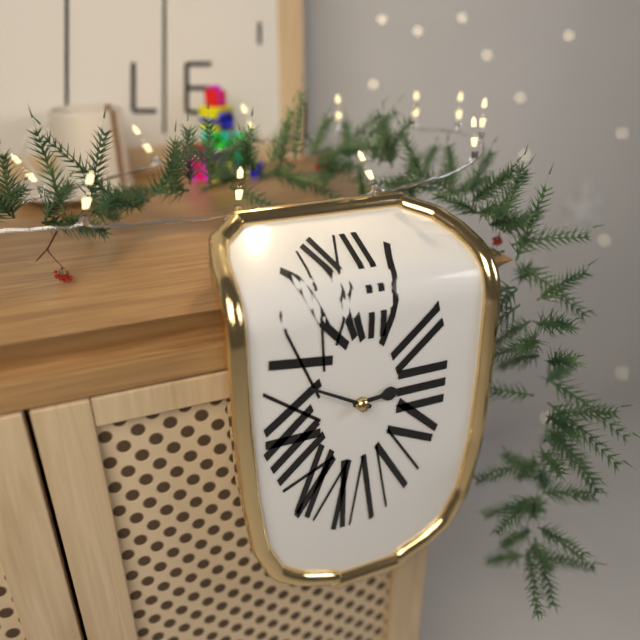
**2:50**
